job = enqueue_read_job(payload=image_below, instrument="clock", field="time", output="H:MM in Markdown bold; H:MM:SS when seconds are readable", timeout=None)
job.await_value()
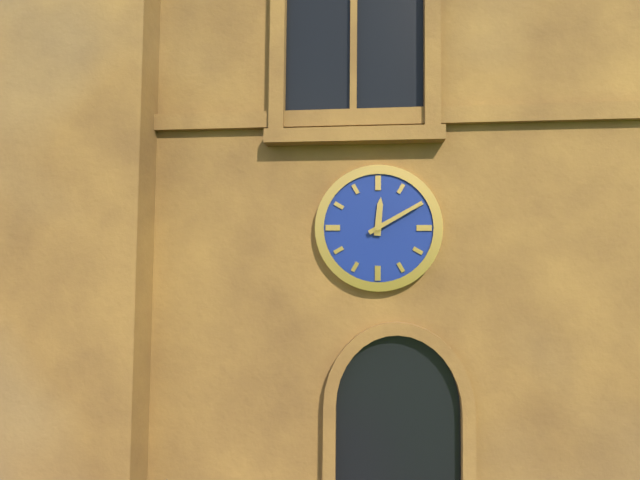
**12:10**
